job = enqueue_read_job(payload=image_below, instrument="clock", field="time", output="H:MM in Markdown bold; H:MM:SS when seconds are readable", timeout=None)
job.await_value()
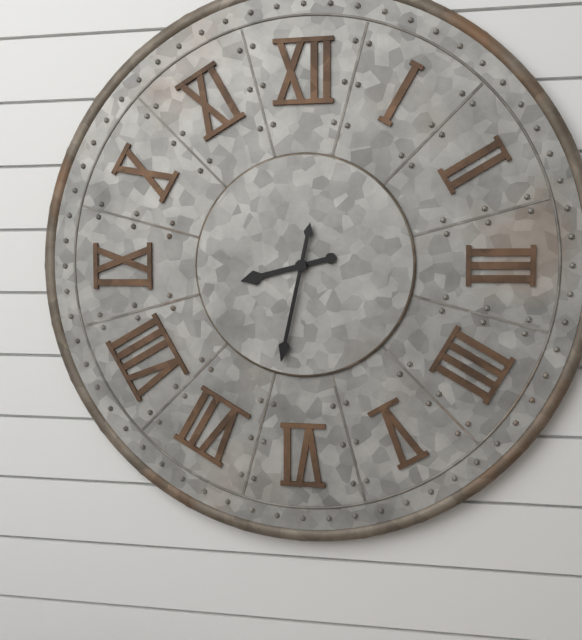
**8:32**
